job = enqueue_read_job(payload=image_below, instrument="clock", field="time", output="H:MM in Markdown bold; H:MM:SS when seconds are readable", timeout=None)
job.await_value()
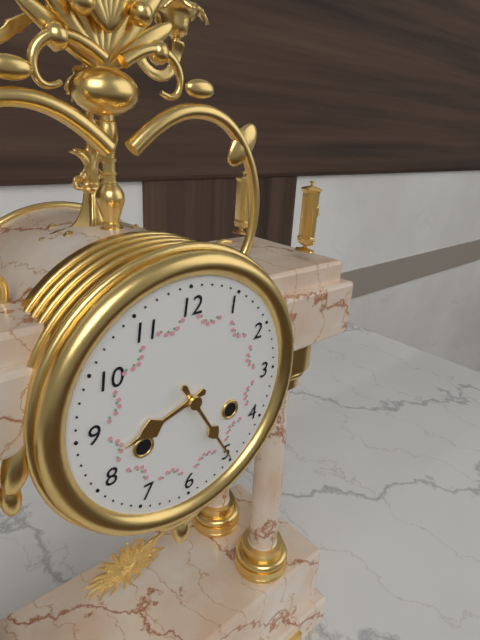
**8:25**
